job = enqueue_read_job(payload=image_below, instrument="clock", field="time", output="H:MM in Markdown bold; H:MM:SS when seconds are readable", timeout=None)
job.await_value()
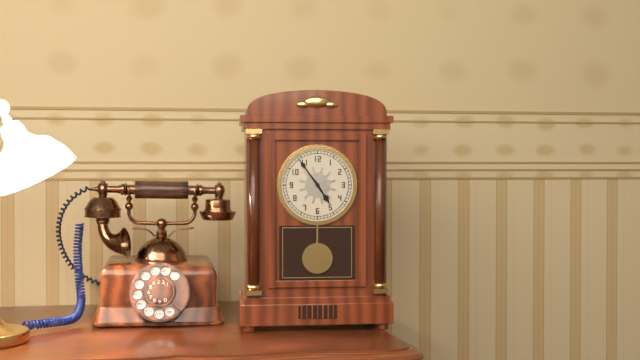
**4:54**
